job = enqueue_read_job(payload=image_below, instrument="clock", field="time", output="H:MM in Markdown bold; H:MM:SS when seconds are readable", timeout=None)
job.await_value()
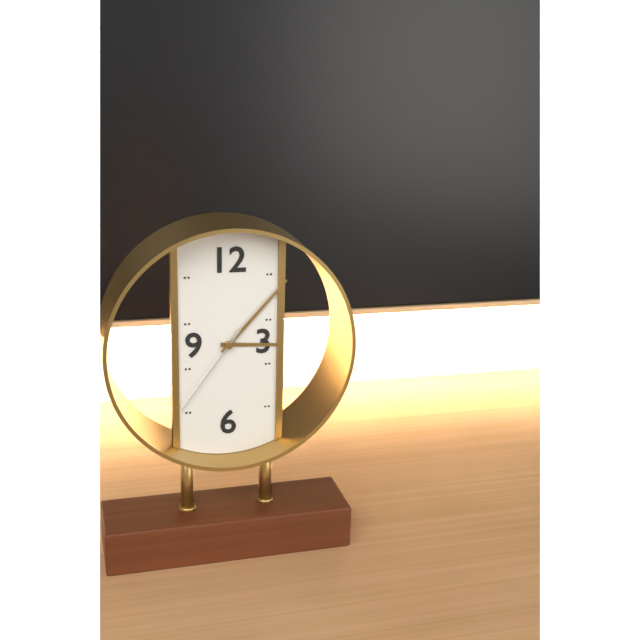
**3:07:36**
